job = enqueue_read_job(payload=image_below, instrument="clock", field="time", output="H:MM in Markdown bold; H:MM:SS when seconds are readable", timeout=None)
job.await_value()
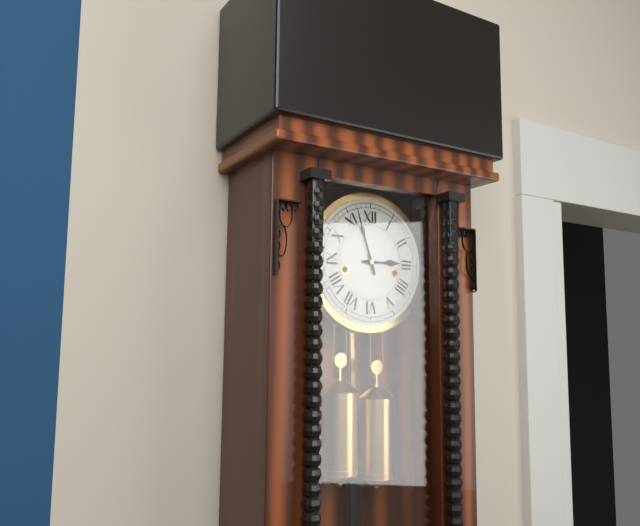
**2:57**
